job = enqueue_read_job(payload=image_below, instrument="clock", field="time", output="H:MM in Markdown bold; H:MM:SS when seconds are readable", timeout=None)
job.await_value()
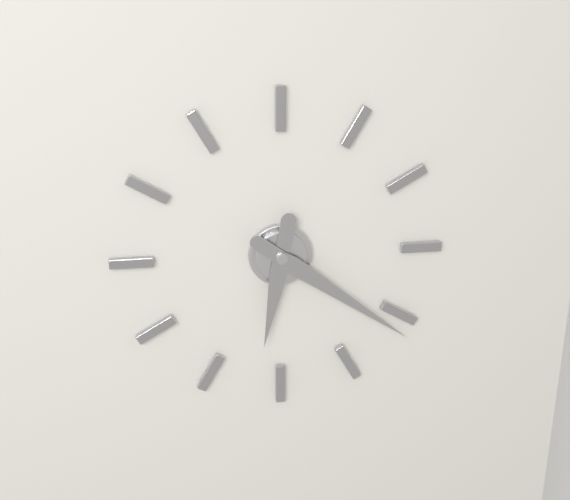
**6:21**
